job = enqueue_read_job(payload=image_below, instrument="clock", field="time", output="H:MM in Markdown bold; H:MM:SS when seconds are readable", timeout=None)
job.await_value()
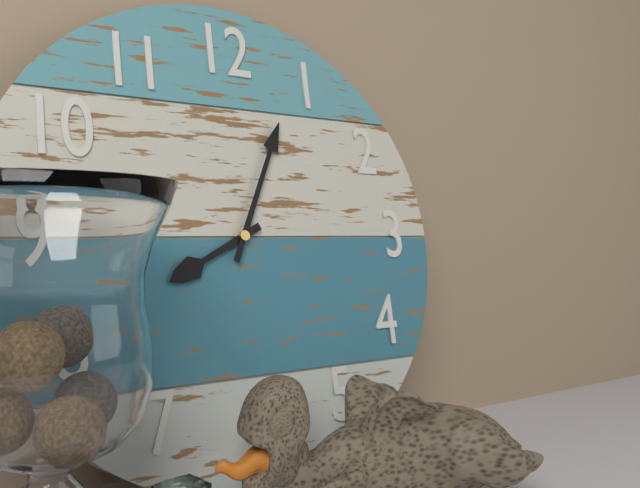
**8:04**
